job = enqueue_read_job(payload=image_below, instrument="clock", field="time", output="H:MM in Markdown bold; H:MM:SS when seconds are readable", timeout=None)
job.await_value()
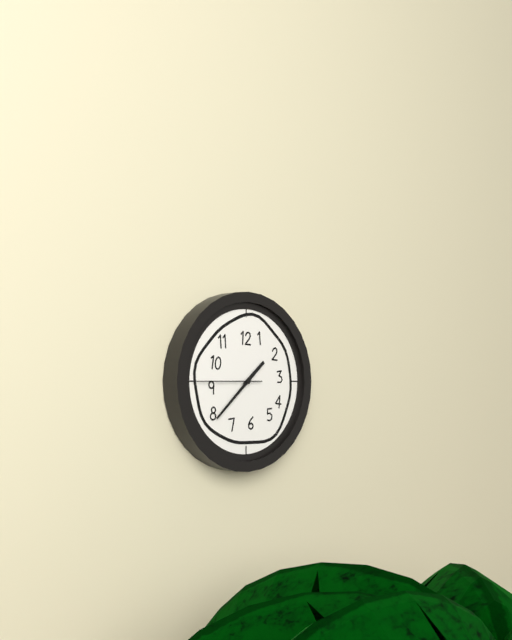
**1:38:45**
